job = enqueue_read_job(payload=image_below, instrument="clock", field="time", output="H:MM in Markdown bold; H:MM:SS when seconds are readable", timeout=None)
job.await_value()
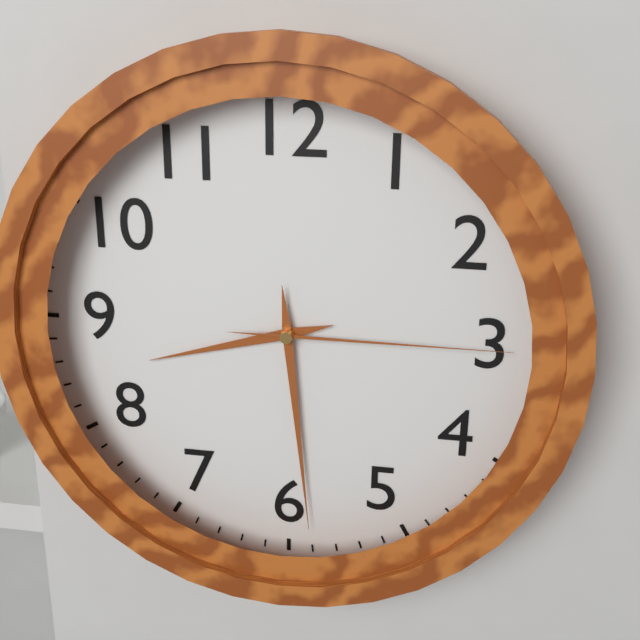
**8:29:15**
